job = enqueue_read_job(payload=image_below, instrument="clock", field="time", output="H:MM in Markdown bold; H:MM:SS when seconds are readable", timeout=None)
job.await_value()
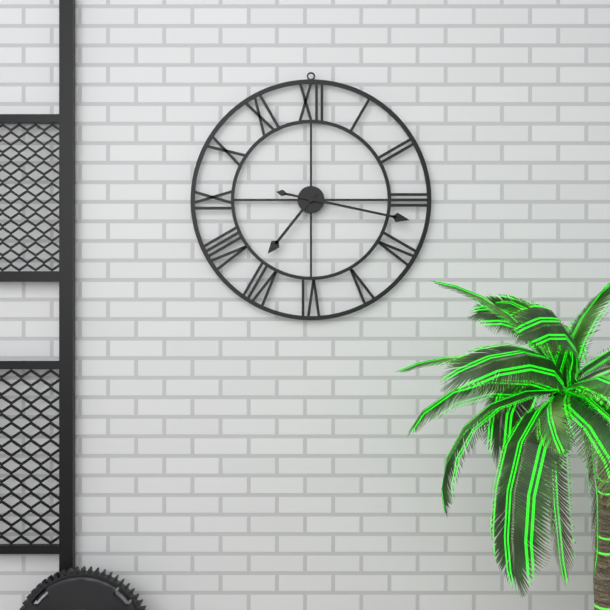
**7:17**
